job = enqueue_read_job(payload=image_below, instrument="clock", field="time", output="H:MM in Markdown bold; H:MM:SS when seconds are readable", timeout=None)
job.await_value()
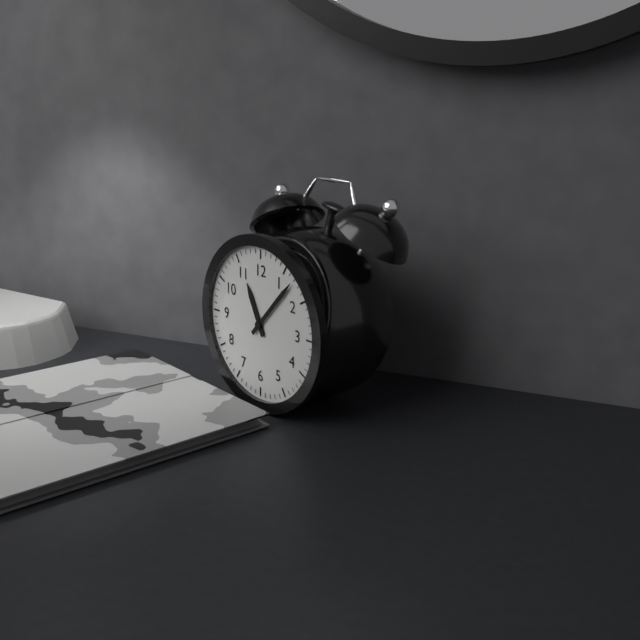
**11:07**
